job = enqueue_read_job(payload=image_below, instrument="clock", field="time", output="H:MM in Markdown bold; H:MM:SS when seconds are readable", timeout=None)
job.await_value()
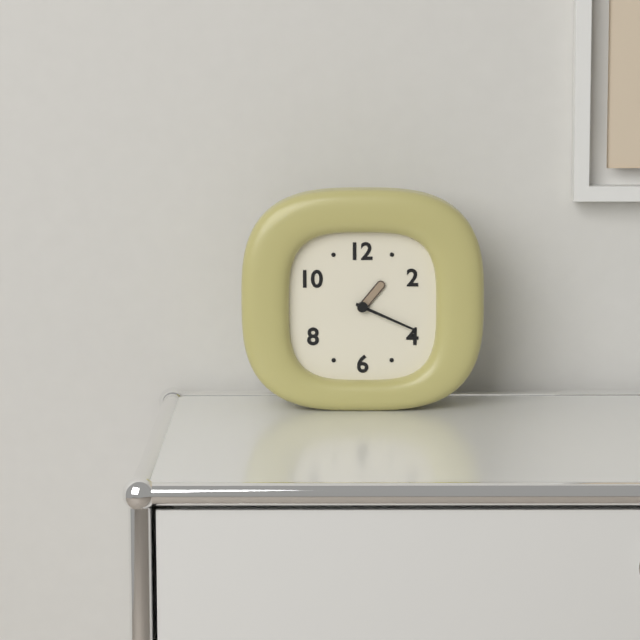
**1:19**
